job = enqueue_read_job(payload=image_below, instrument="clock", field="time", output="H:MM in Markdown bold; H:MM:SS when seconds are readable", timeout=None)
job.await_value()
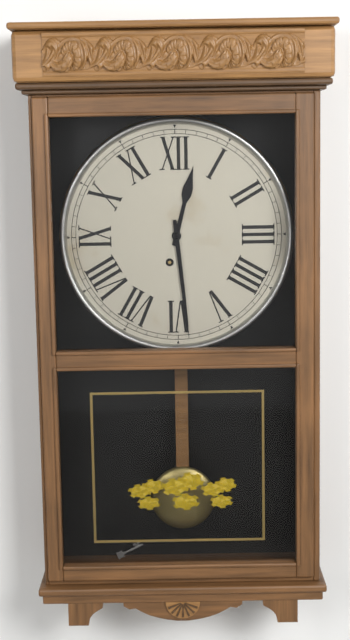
**12:29**
